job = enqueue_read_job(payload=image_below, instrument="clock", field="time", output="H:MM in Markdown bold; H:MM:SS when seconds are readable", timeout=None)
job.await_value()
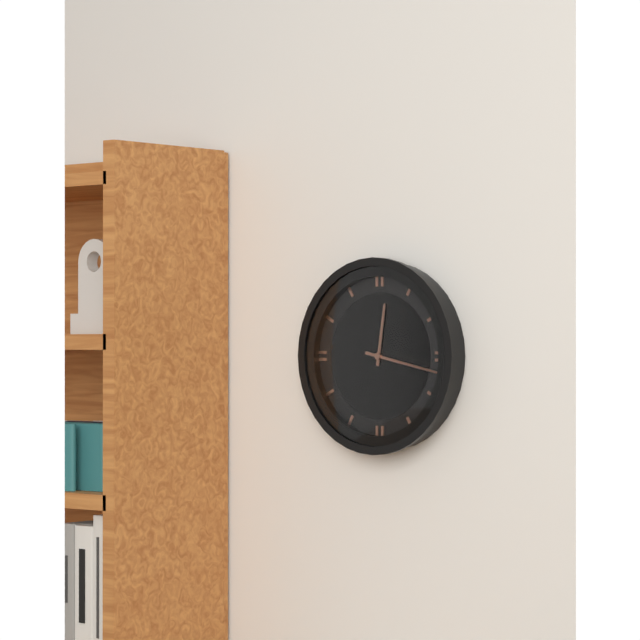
**12:17**
